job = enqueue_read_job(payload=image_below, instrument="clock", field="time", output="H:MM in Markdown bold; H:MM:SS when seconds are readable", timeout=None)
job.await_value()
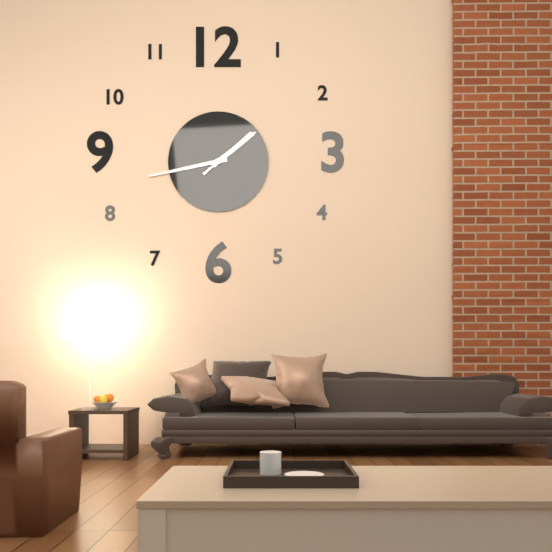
**1:43:08**
